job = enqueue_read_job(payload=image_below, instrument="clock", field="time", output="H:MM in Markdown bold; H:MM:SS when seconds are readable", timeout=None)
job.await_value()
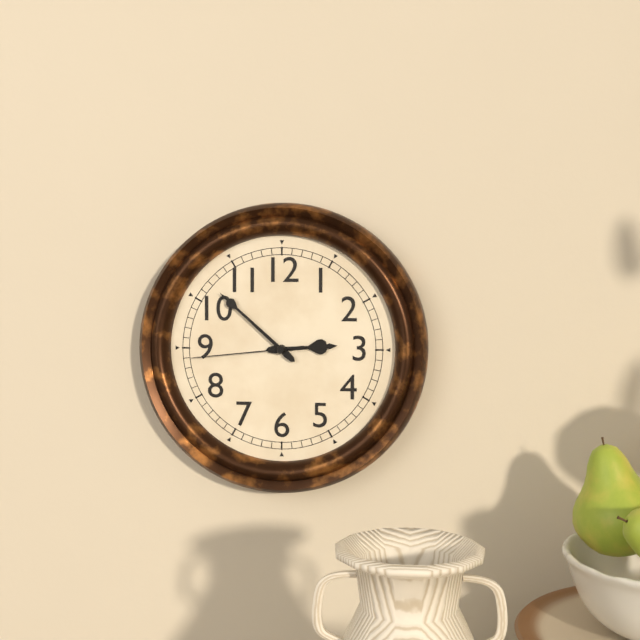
**2:52:44**
